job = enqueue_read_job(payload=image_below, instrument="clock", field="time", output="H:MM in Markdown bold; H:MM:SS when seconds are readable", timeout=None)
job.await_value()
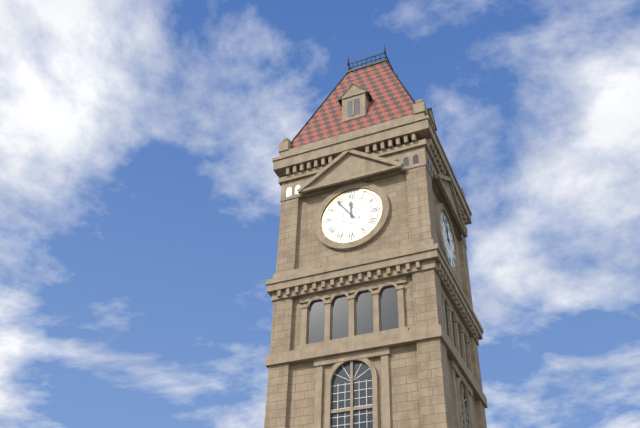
**11:54**
